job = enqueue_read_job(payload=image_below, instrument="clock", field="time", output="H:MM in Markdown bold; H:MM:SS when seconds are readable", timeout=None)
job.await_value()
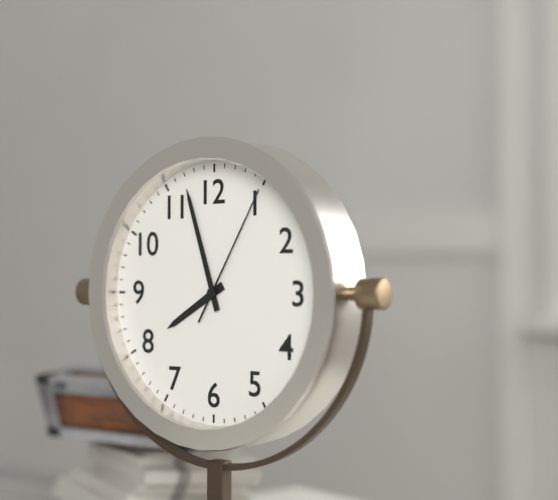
**7:57:05**
